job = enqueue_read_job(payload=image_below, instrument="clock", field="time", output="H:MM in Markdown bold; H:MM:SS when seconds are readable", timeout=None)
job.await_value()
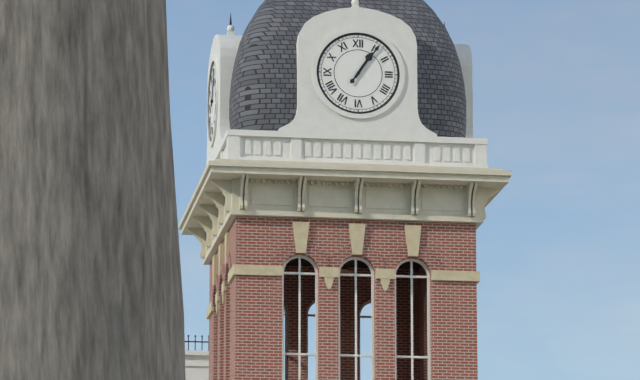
**1:06**
